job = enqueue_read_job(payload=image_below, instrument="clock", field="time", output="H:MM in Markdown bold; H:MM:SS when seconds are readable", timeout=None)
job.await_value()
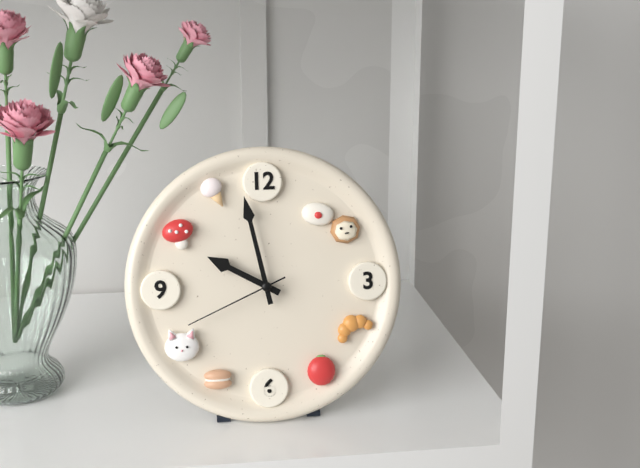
**9:58:41**
